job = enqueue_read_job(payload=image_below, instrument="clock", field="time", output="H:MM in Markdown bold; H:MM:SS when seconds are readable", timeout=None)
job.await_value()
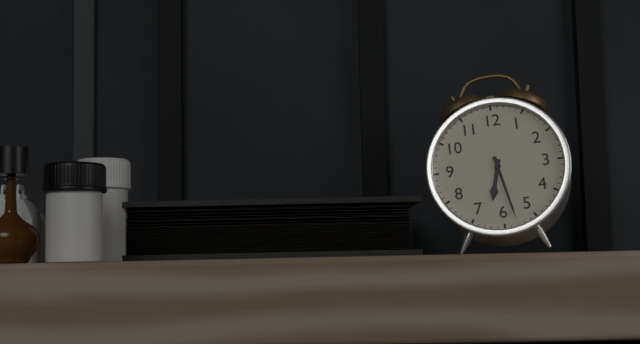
**6:28**
